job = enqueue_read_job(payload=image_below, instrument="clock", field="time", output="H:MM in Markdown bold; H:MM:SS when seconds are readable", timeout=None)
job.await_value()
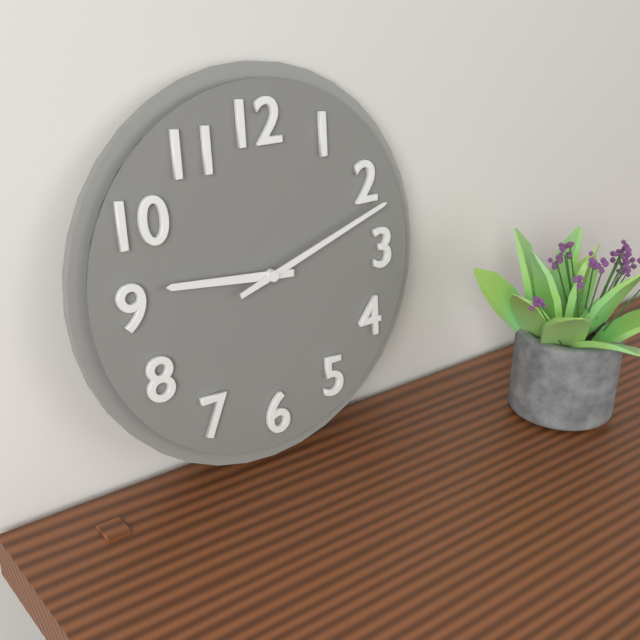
**9:12**
